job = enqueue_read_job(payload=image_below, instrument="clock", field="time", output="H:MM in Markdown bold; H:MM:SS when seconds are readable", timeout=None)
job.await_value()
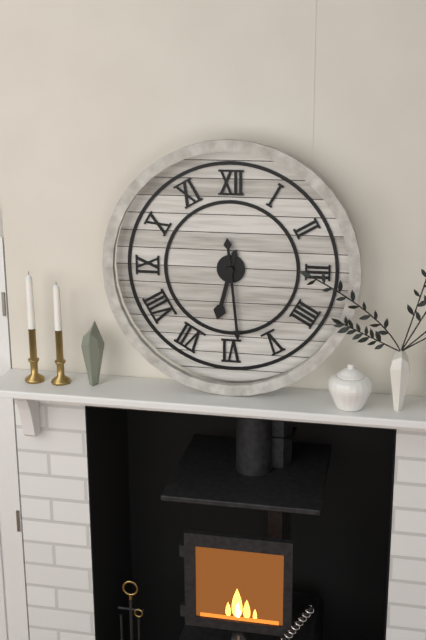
**6:29**
